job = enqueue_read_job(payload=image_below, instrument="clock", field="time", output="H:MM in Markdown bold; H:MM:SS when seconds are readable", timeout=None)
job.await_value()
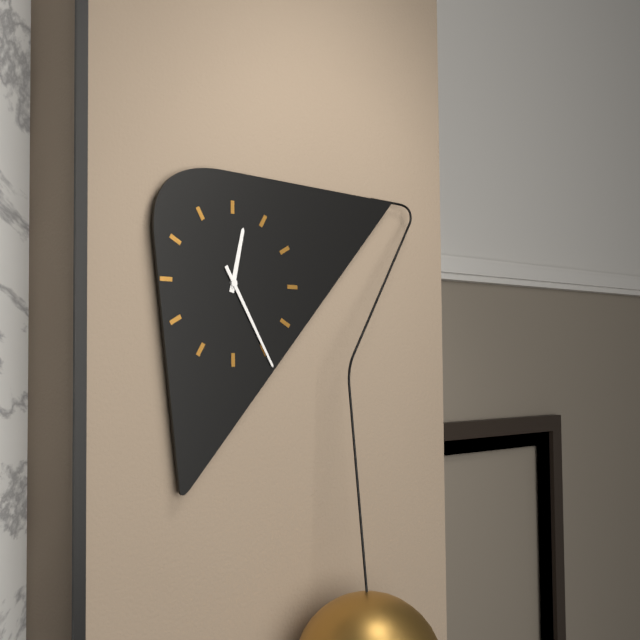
**12:25**
